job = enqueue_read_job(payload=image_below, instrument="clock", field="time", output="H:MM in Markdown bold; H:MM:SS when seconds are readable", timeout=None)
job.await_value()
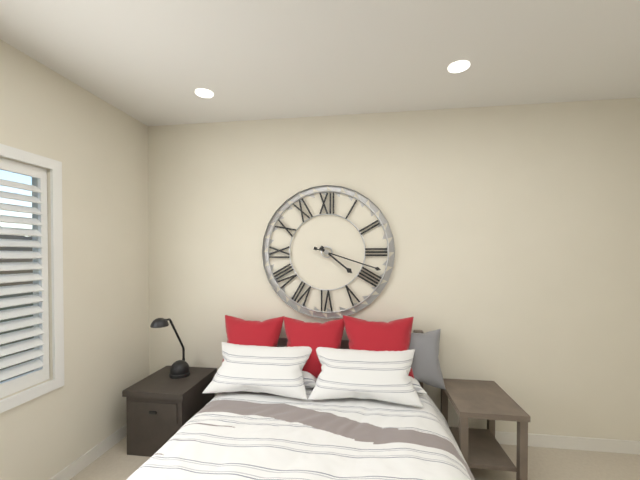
**4:18**
